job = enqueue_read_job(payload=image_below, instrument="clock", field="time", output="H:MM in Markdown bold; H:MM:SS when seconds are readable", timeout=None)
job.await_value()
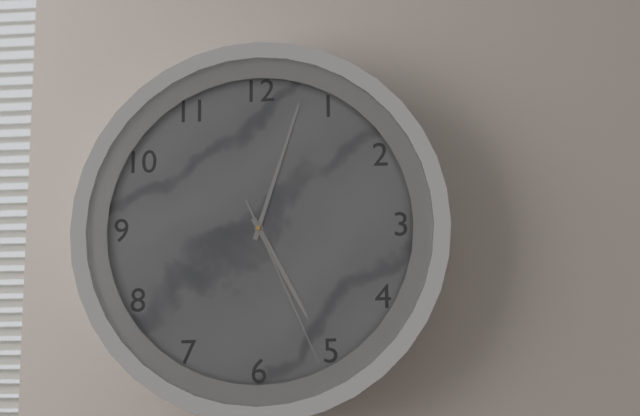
**5:03:26**
